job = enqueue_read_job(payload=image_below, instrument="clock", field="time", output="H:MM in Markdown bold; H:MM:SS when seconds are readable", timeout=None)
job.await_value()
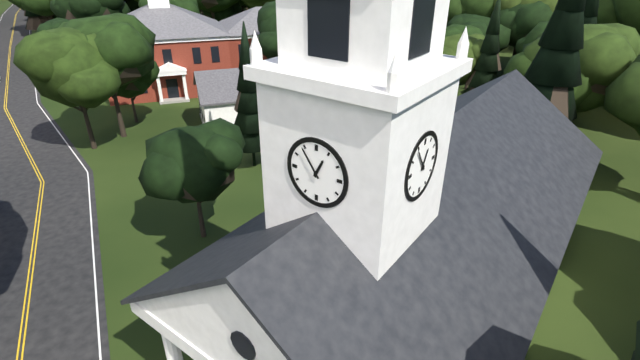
**12:54**
